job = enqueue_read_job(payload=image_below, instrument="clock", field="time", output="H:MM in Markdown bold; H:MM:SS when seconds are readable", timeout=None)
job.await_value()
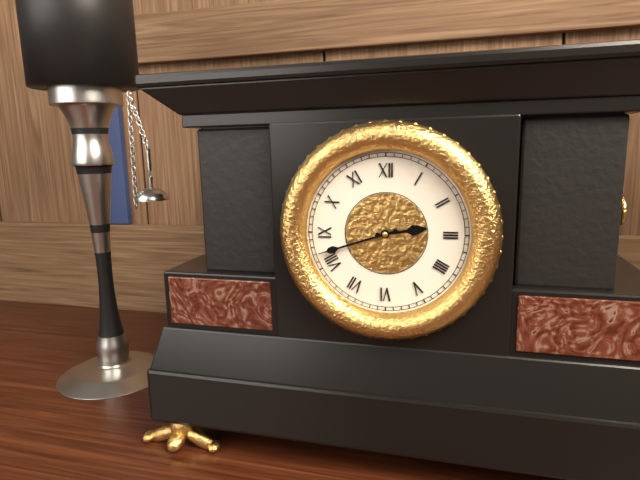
**2:42**
